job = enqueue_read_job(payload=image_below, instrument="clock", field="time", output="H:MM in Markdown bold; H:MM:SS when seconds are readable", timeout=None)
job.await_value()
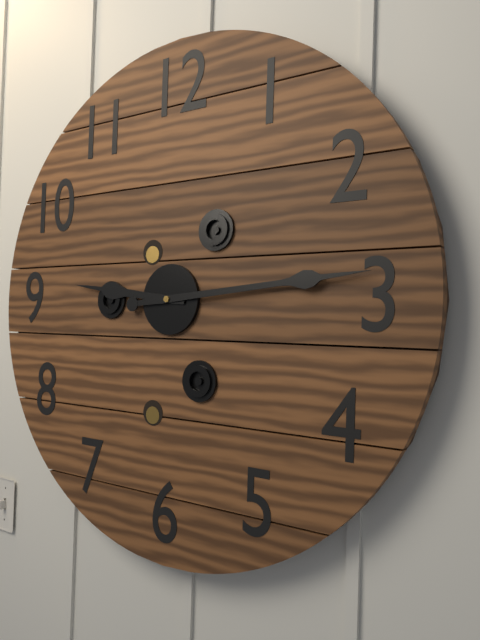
**9:14**
